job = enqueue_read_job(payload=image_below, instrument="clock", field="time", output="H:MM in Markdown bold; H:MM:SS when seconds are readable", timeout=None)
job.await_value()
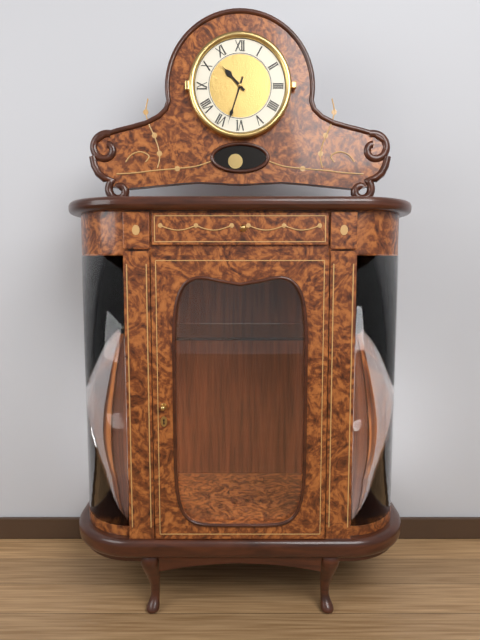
**10:33**
